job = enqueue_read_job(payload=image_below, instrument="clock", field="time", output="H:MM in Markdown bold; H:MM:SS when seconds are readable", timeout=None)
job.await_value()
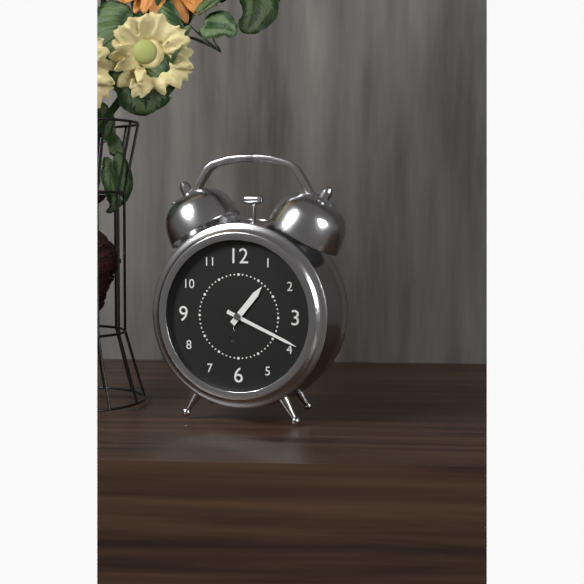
**1:19**
